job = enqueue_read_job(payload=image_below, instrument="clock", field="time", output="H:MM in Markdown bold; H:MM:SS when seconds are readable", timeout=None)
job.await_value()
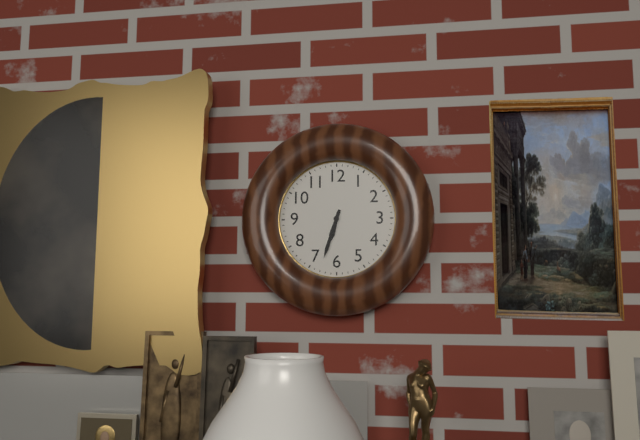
**6:33**
